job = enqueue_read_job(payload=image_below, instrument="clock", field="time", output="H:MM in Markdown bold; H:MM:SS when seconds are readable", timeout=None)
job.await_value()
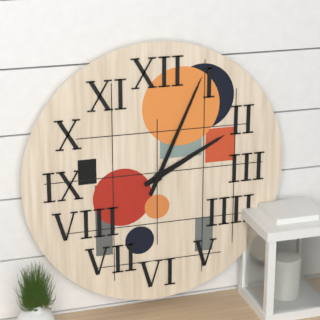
**2:04**
